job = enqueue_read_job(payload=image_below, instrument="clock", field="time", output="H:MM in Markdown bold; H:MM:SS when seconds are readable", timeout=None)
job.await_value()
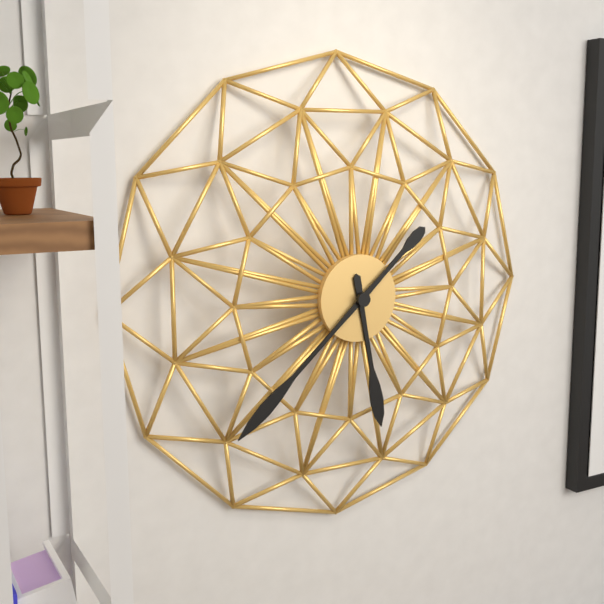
**5:38**
